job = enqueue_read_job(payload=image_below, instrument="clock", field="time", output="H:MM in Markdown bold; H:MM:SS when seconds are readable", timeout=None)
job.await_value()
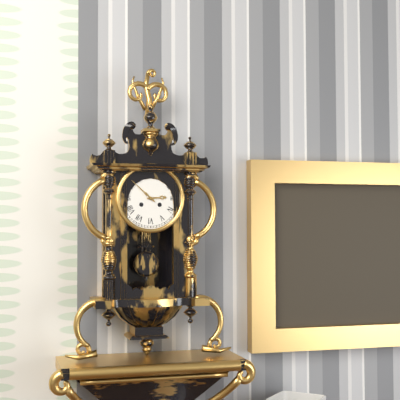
**2:52**
